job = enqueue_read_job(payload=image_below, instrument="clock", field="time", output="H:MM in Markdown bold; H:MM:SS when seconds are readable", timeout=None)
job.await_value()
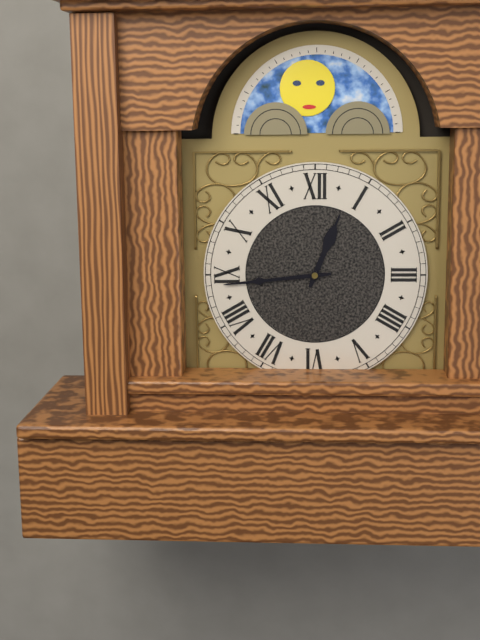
**12:44**
